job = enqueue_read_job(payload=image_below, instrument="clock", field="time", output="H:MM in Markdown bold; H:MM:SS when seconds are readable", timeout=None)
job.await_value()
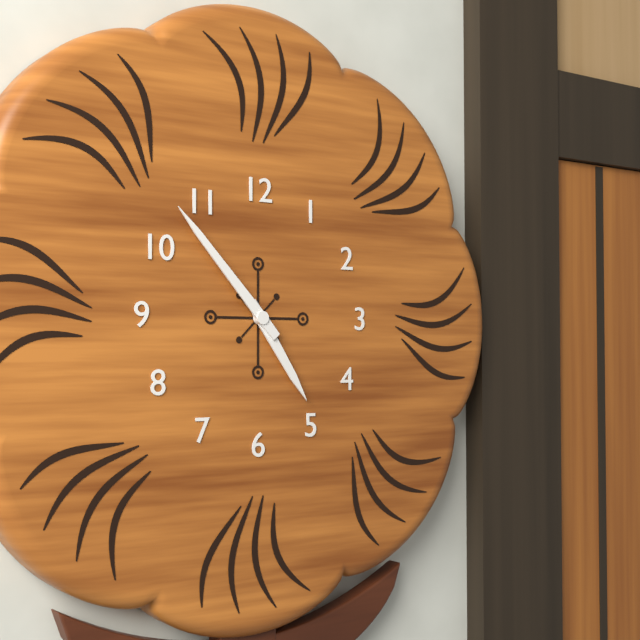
**4:53**
